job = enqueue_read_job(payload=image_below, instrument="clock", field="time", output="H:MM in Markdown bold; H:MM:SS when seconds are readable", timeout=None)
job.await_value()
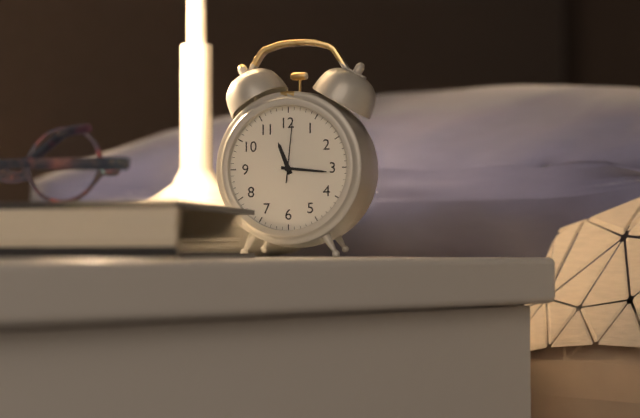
**11:16:01**
